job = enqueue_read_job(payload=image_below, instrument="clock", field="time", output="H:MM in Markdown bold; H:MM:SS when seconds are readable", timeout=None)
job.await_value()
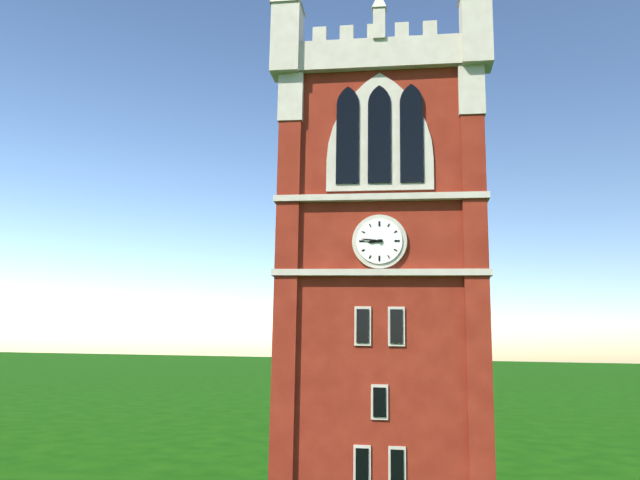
**8:46**
